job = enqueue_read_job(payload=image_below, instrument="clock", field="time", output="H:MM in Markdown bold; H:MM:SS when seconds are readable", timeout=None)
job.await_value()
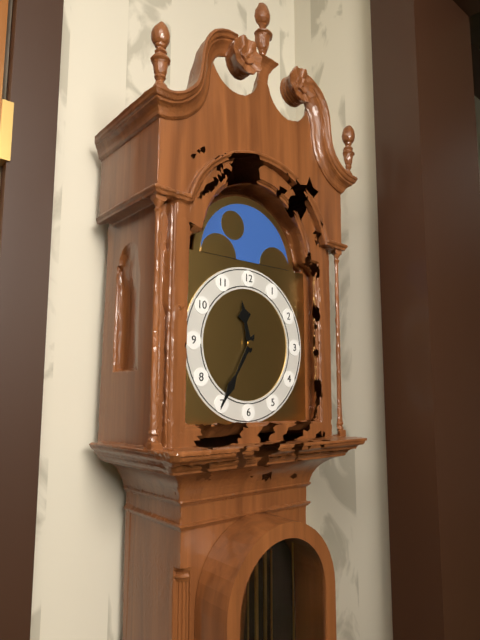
**11:35**
